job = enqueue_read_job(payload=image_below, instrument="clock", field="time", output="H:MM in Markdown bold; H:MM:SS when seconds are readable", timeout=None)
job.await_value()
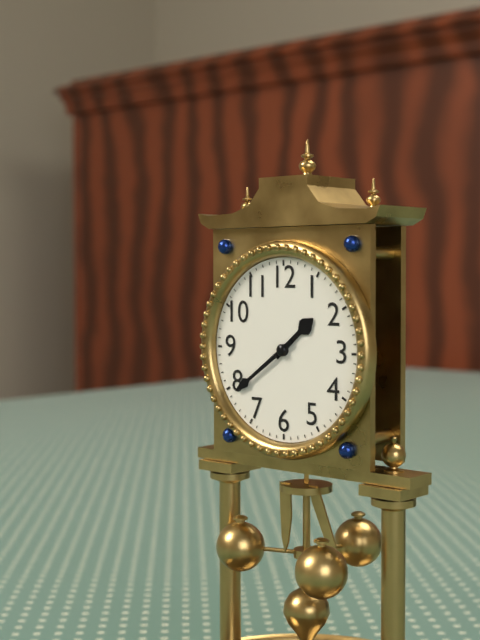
**1:39**
